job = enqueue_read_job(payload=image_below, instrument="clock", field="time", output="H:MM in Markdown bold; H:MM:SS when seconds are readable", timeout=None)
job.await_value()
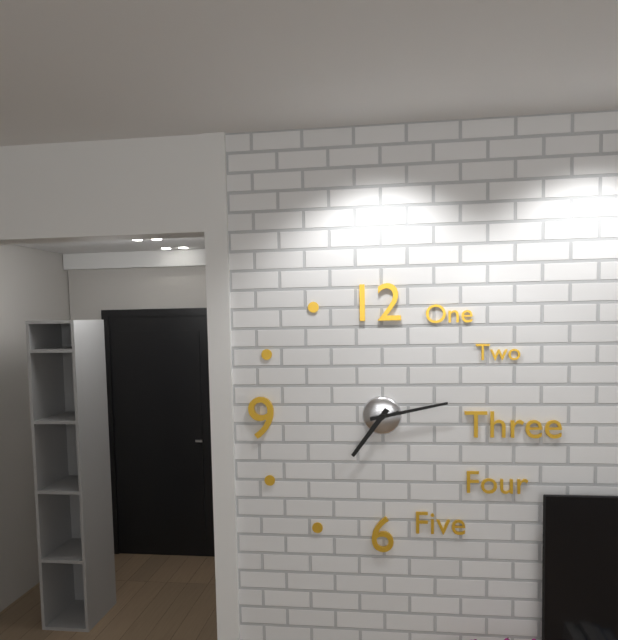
**7:13**
